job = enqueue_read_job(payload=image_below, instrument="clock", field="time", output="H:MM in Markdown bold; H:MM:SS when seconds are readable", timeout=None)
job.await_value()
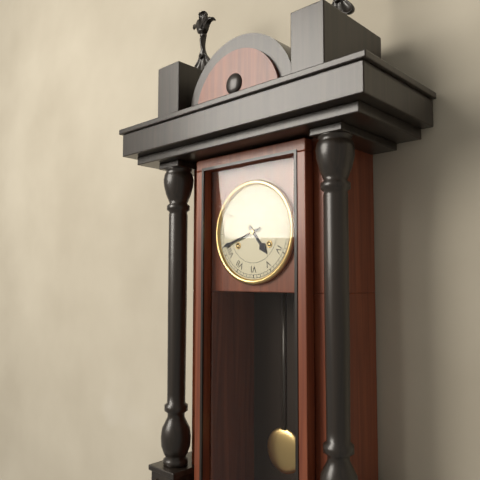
**4:42**
